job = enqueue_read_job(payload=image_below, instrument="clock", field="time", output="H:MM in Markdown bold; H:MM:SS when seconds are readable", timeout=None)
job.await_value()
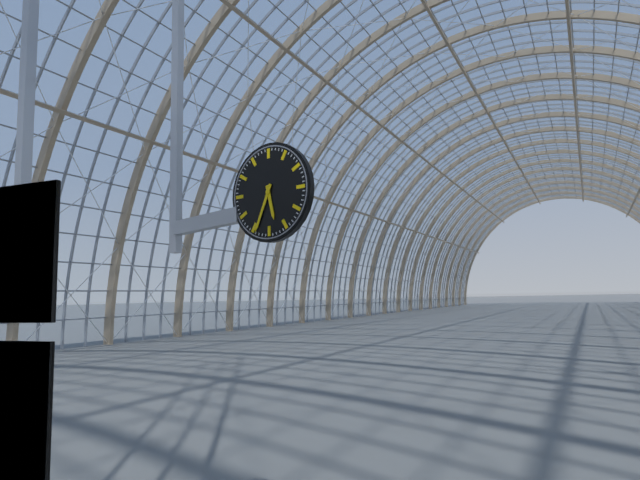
**5:34**
